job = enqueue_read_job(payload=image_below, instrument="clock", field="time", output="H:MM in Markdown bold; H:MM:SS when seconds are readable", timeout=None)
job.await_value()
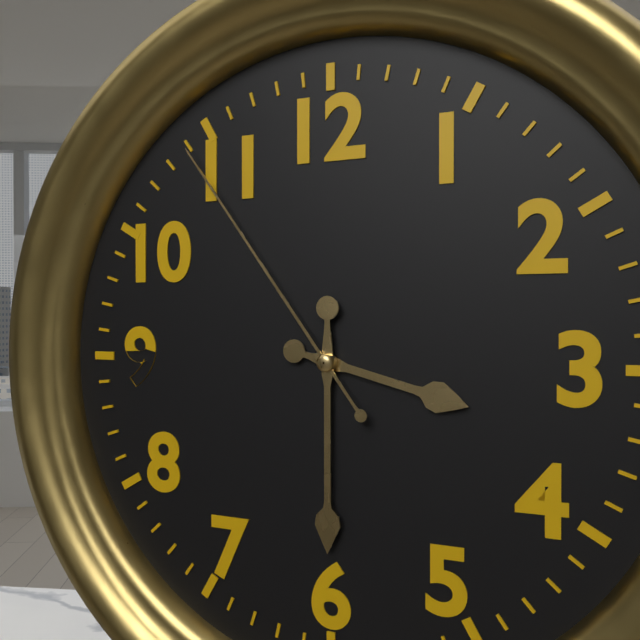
**3:30:54**
